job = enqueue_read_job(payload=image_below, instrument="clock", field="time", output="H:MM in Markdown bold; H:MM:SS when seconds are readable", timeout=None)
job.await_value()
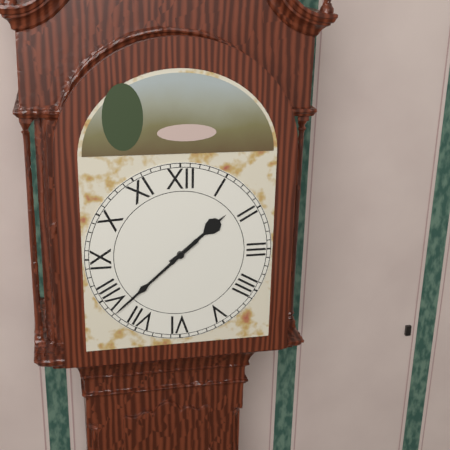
**1:38**
